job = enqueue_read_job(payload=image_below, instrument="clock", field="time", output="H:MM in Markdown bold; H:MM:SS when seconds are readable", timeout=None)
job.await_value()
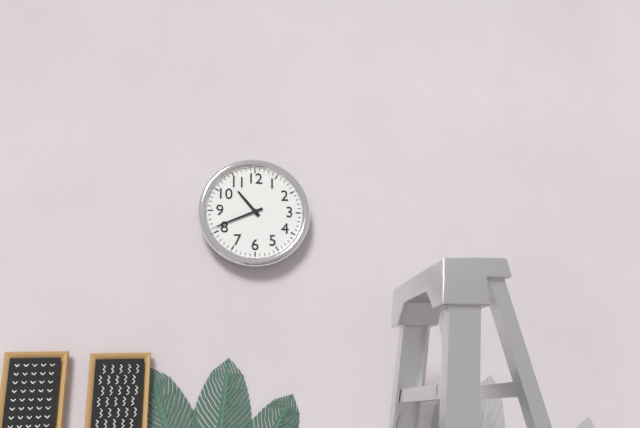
**10:41**
